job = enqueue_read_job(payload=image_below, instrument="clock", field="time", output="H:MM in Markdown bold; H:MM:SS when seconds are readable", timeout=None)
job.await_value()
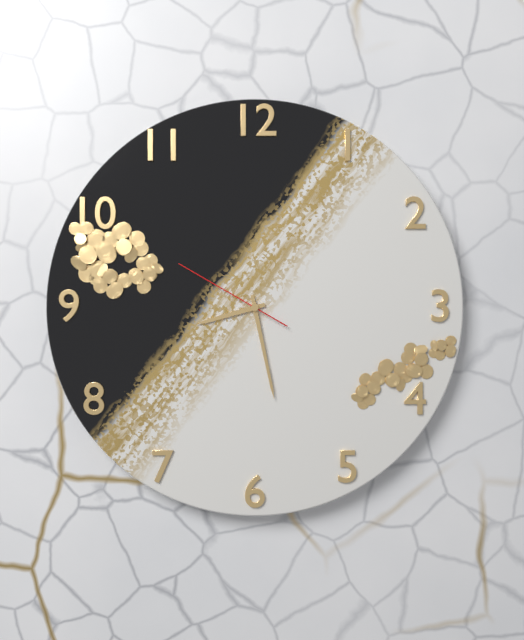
**8:28:50**
